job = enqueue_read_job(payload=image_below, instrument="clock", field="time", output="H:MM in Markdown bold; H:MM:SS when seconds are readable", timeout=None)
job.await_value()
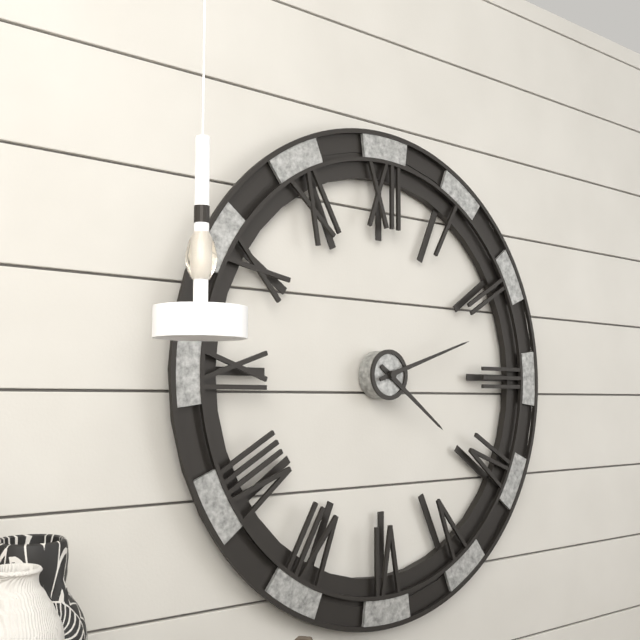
**4:12**
